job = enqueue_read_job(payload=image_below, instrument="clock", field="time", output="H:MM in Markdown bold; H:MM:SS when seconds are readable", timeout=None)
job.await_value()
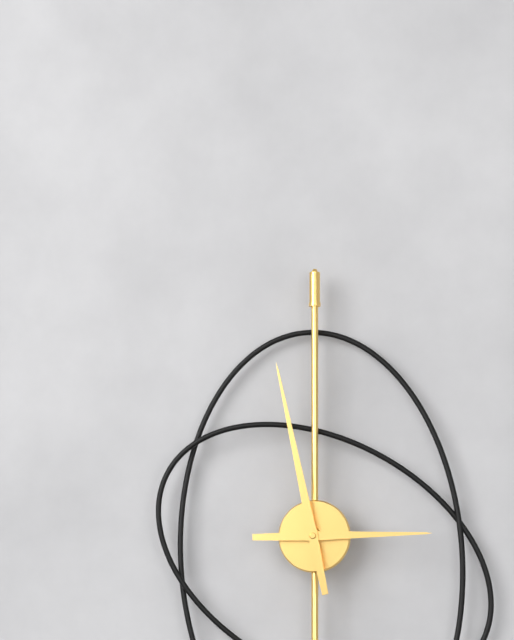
**2:58**
